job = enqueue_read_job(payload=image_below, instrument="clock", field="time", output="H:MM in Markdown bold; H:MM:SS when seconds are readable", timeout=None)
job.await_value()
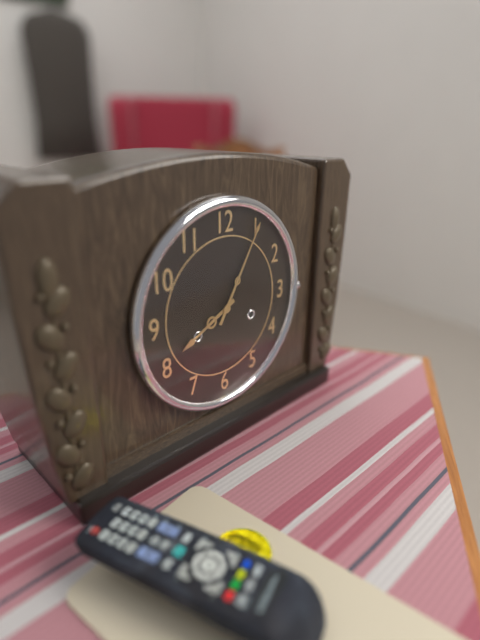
**8:05**
